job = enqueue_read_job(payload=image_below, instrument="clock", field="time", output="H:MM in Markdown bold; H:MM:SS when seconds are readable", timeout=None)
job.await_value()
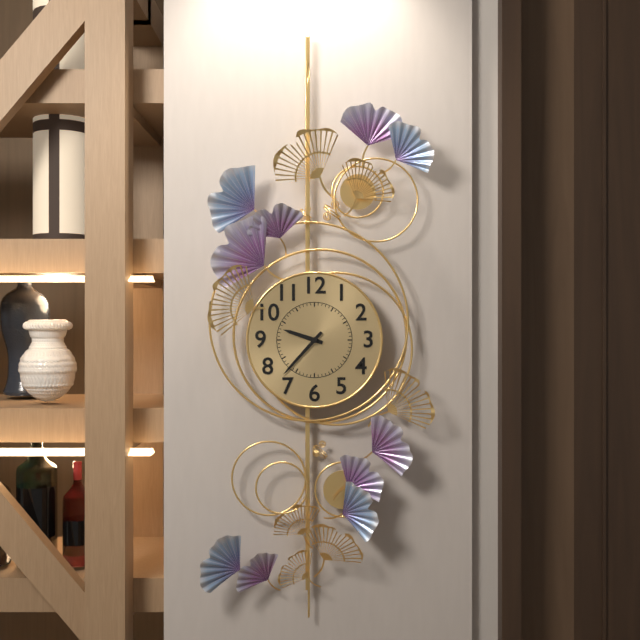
**9:37**
